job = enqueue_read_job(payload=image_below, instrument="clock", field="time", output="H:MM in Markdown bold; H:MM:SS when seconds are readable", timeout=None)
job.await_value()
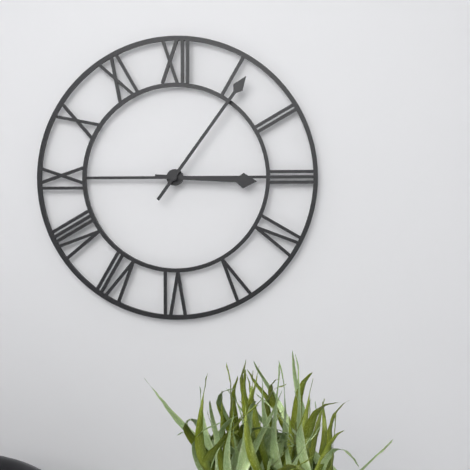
**3:06**
